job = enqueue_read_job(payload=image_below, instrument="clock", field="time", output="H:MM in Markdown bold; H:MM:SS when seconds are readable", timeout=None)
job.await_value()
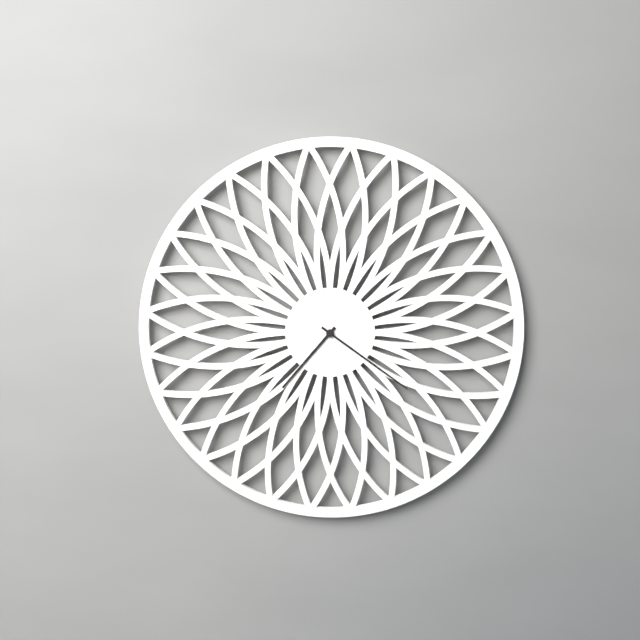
**7:21**
